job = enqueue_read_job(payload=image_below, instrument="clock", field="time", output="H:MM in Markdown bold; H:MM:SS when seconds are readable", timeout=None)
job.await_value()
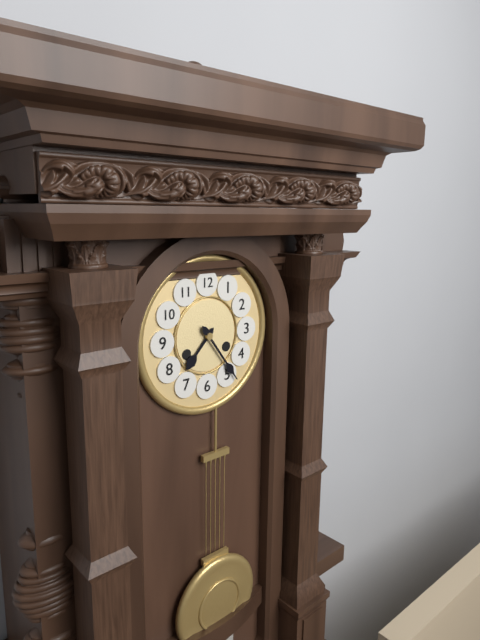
**7:24**
